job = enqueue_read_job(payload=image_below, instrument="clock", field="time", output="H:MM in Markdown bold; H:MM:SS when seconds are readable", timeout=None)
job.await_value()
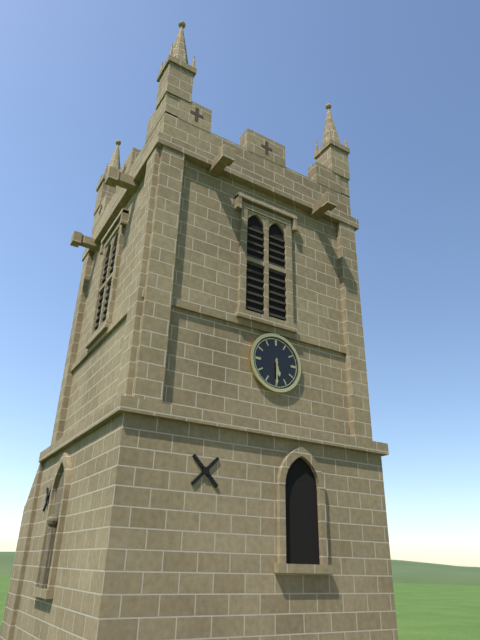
**5:30**
